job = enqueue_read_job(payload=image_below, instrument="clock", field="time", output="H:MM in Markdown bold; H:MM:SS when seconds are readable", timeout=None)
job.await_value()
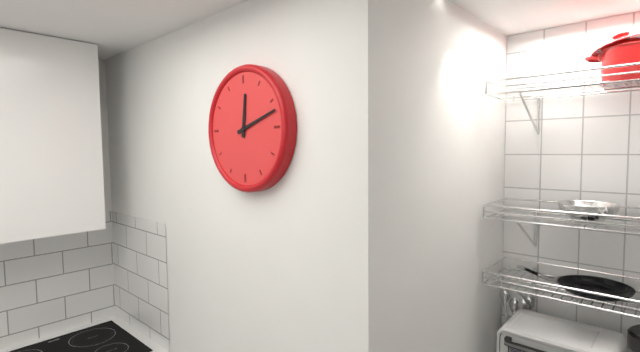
**12:12**
